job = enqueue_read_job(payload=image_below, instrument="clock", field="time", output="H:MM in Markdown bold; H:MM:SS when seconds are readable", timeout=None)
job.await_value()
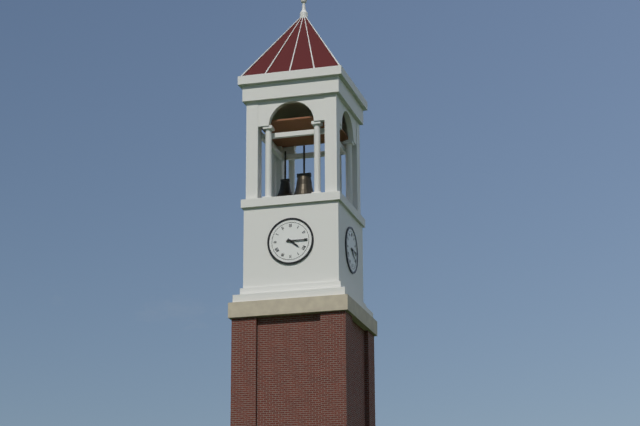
**4:15**
